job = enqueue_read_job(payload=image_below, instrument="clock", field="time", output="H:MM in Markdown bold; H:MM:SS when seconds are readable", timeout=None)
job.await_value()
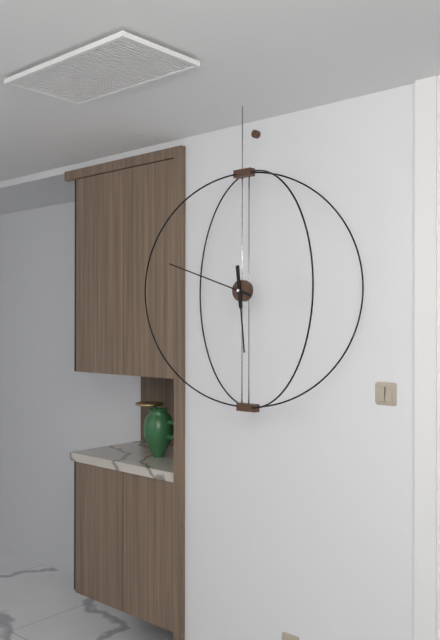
**5:48**
